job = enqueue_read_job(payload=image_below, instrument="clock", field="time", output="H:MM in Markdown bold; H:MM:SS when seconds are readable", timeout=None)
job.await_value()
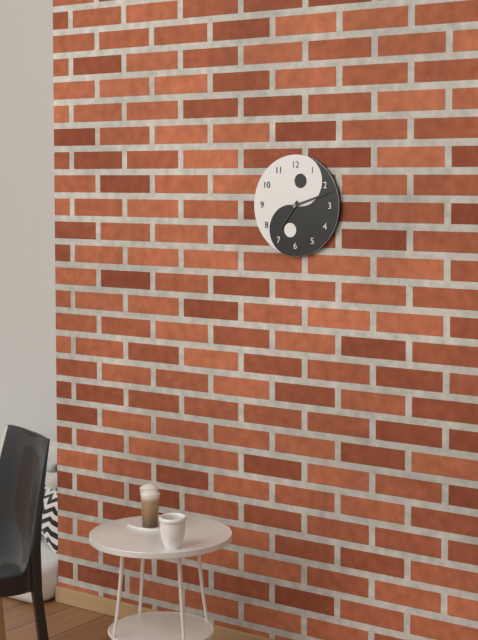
**7:12**
